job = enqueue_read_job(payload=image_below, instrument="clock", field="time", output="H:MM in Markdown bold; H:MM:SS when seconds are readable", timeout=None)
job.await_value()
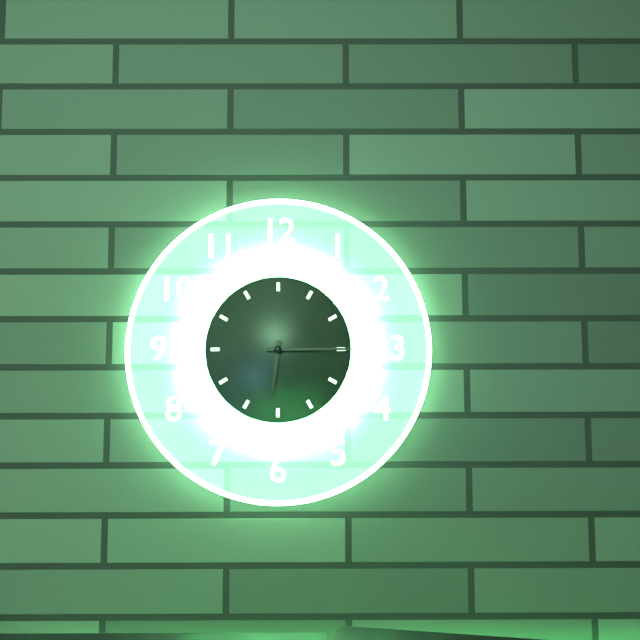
**6:15**
